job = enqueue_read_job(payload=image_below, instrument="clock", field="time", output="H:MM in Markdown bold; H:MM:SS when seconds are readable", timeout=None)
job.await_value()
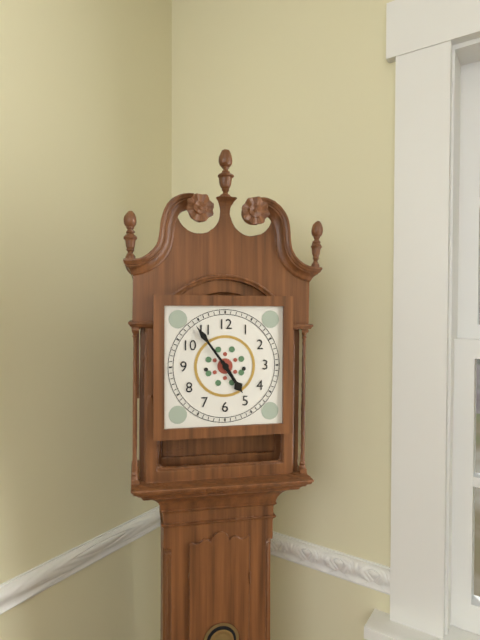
**4:54**
